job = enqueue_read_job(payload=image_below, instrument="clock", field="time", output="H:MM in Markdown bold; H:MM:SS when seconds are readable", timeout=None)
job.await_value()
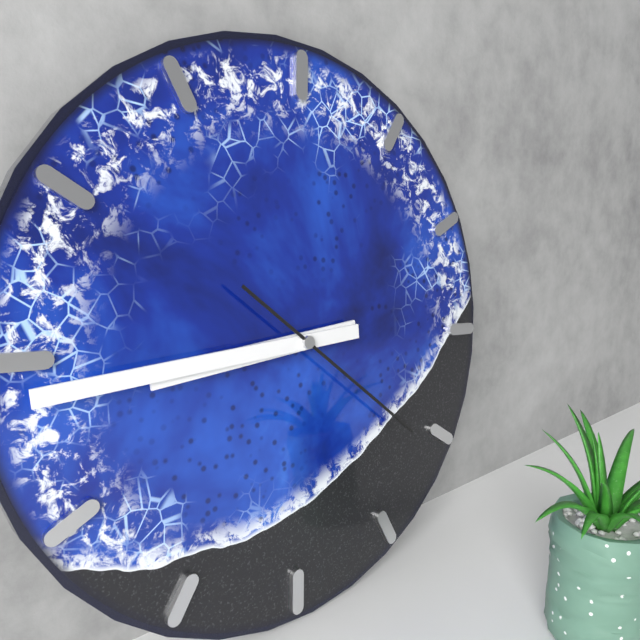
**8:44:21**
